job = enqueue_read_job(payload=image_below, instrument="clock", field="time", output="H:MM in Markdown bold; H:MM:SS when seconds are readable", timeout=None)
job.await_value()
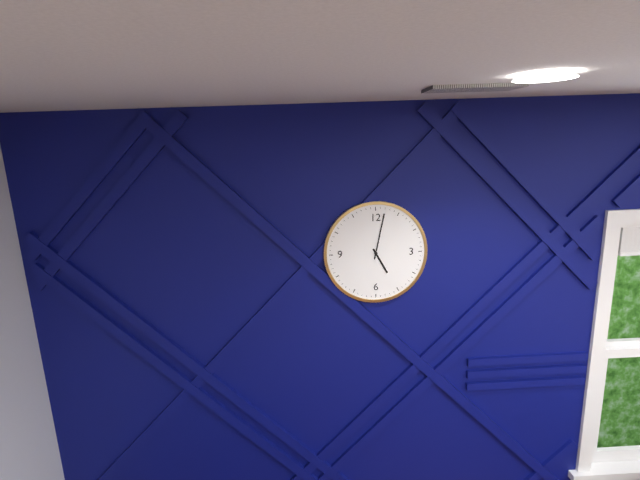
**5:02**
